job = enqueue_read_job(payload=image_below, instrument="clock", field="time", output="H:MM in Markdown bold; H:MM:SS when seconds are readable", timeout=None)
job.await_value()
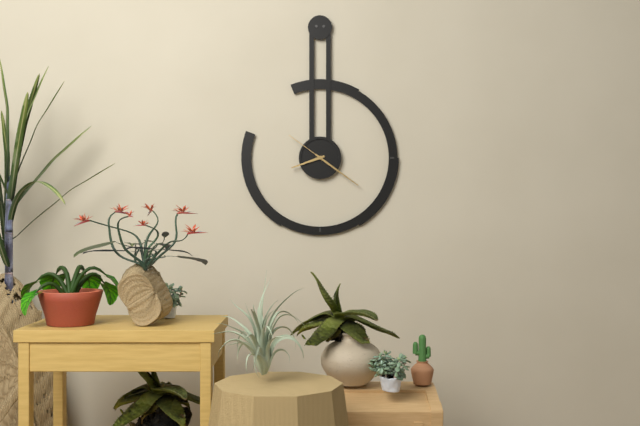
**8:21**
